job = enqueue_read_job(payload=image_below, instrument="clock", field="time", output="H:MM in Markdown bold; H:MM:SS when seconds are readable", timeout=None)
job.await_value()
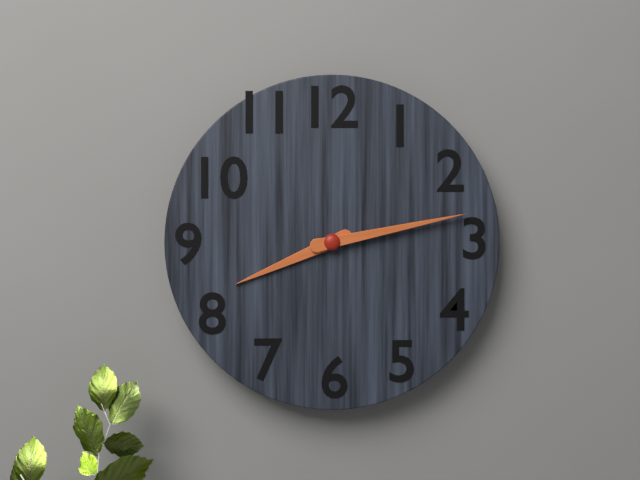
**8:13**
